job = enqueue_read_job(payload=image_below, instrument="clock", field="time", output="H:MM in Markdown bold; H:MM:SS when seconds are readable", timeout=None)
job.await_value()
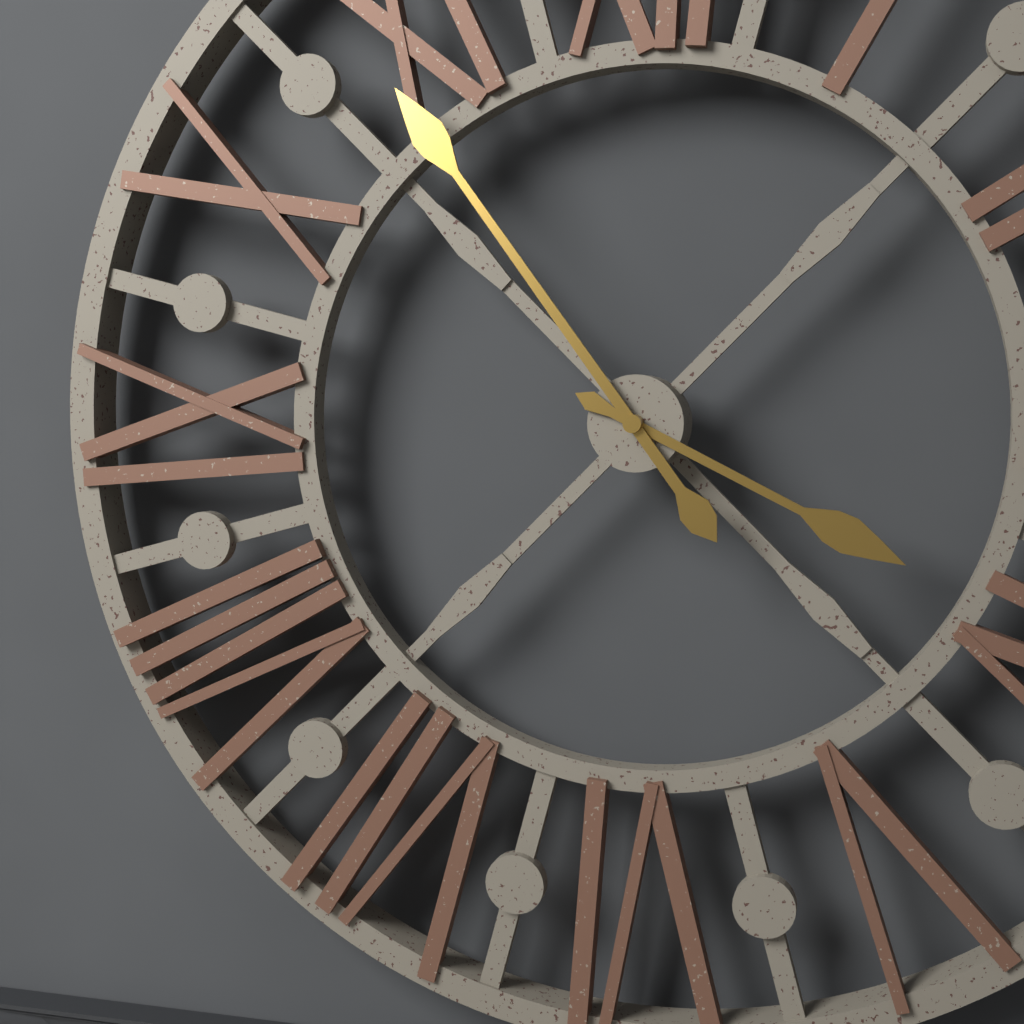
**3:54**
